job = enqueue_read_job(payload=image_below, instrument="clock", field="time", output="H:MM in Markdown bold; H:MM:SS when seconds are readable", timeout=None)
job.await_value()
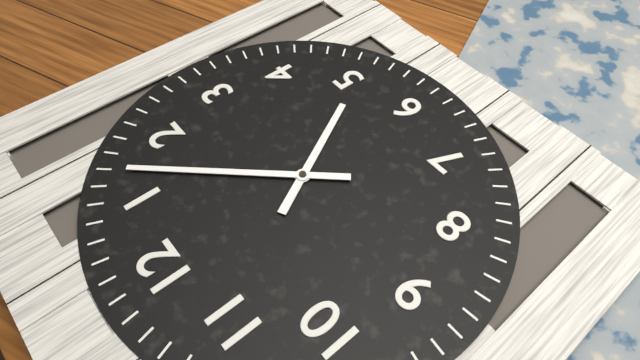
**5:07**
